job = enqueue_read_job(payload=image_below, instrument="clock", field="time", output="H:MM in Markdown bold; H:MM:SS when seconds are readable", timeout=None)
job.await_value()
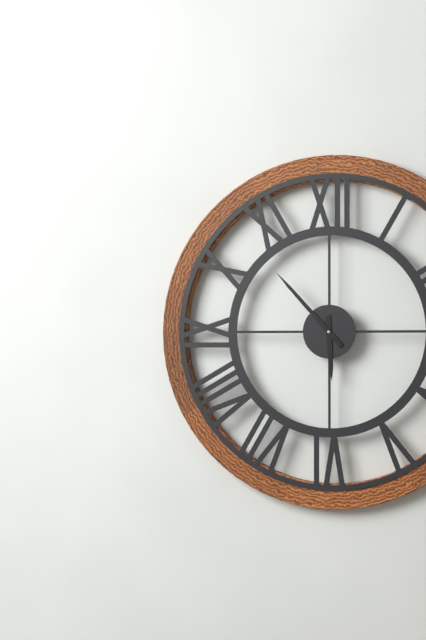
**5:53**
